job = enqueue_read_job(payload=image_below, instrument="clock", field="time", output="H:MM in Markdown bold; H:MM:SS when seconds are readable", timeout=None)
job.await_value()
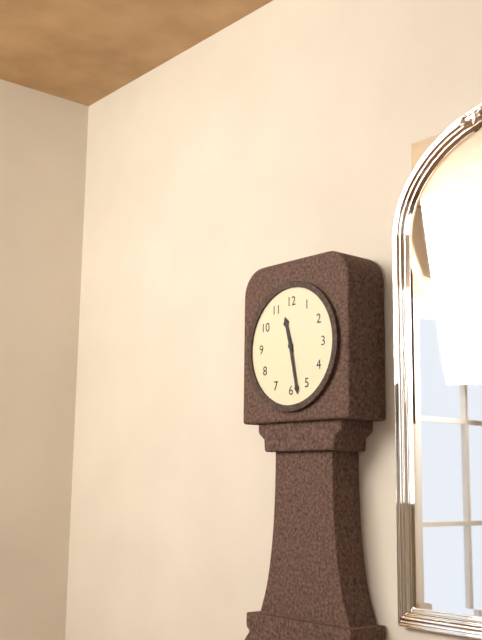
**11:28**
